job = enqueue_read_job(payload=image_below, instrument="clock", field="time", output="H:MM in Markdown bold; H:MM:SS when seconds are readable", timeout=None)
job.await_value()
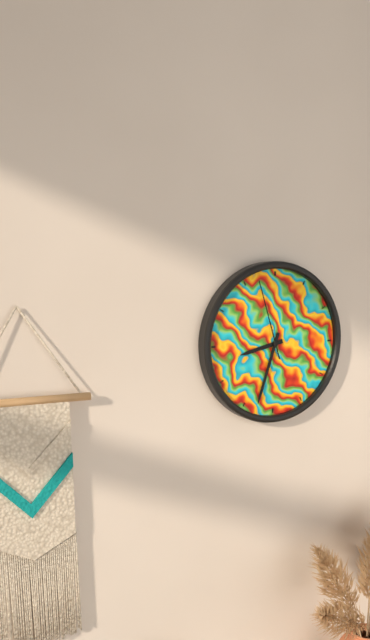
**8:33:57**
